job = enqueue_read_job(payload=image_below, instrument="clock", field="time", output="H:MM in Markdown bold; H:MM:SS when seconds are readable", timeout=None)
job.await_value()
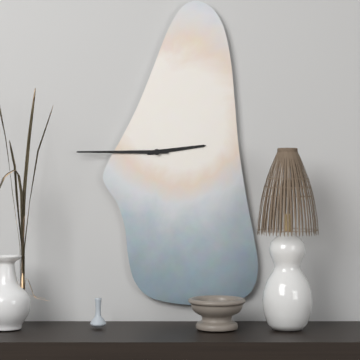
**2:45**
